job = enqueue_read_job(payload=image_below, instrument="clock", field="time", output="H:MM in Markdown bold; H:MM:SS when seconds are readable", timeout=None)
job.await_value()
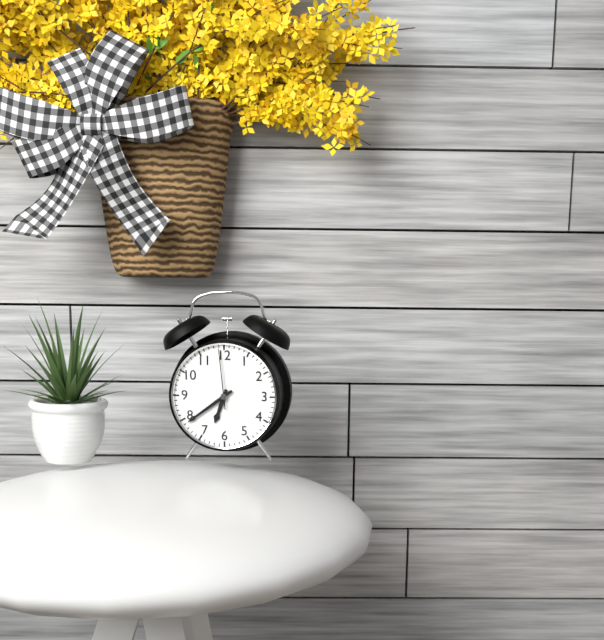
**6:39:59**
